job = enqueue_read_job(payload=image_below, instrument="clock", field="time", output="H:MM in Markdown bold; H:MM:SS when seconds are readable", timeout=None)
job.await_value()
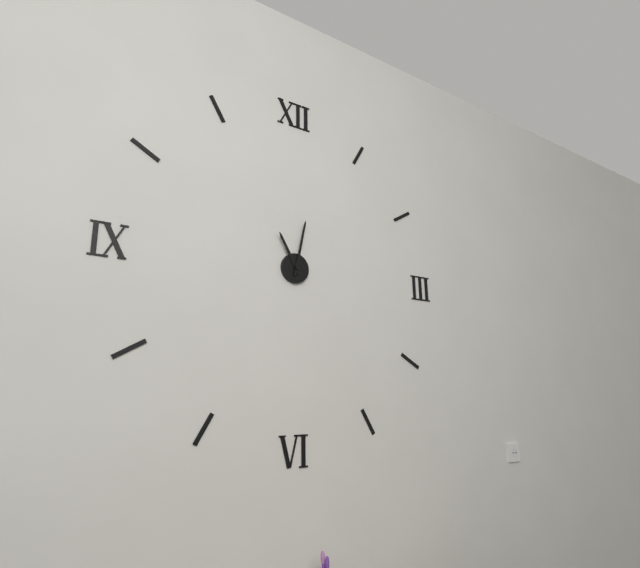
**11:02**
